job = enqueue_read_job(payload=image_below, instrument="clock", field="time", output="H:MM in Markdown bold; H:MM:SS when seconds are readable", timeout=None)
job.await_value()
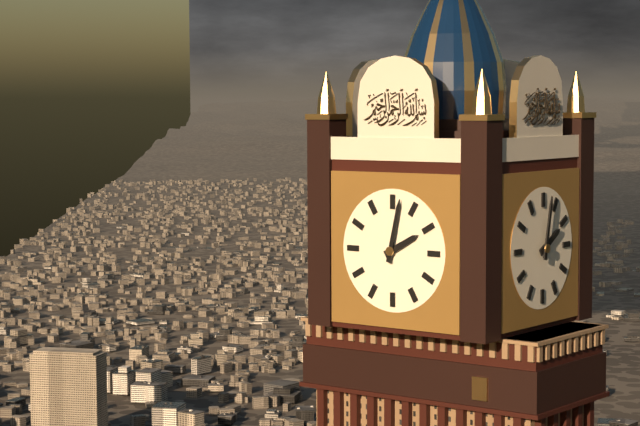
**2:02**
